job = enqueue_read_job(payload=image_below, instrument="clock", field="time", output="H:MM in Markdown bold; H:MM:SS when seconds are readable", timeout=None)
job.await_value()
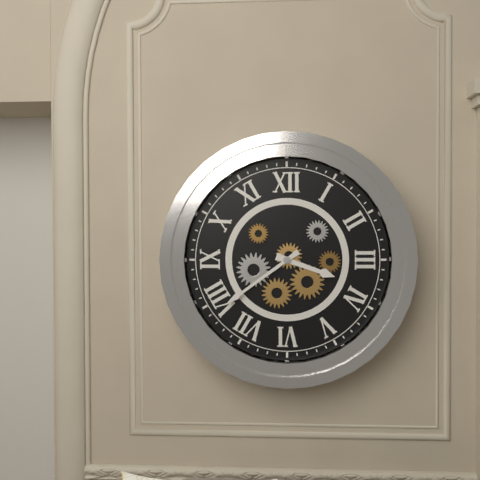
**3:39**
